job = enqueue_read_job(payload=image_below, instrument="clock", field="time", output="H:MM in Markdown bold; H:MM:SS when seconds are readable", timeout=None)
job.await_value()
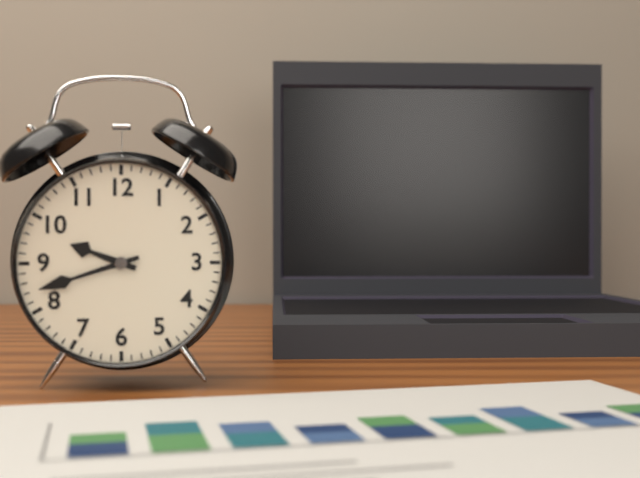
**9:42**
